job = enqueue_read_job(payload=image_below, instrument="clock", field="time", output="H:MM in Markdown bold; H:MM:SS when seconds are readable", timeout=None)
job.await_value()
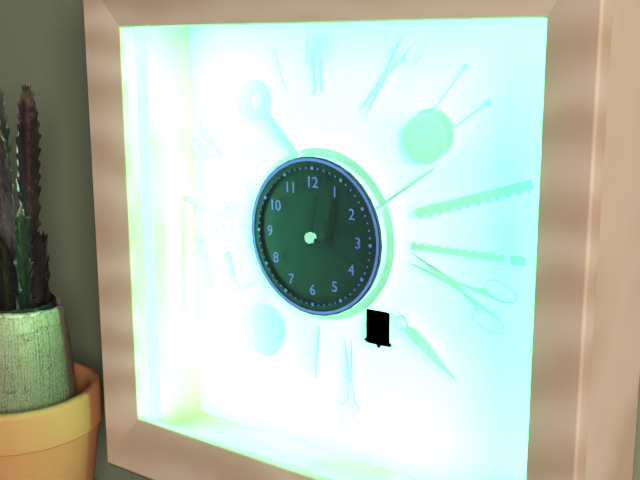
**12:18**
